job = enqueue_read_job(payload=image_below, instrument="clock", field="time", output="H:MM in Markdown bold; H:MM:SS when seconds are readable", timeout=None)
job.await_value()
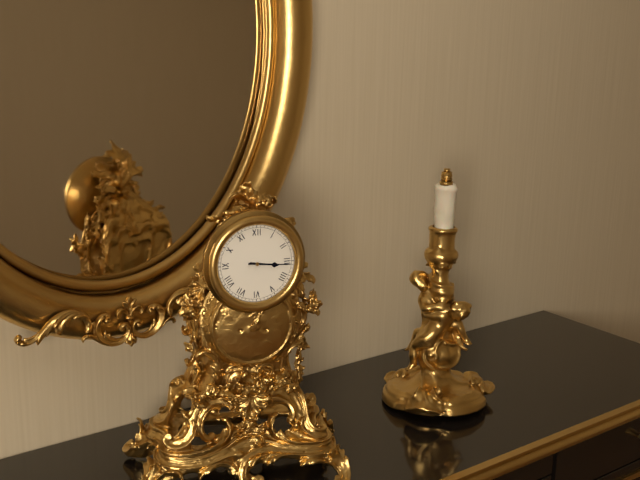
**3:16**
